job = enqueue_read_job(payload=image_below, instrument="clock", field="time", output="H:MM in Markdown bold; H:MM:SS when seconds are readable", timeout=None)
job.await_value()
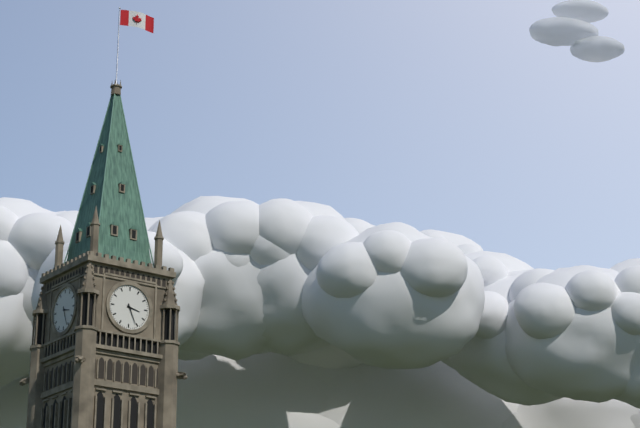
**3:26**
